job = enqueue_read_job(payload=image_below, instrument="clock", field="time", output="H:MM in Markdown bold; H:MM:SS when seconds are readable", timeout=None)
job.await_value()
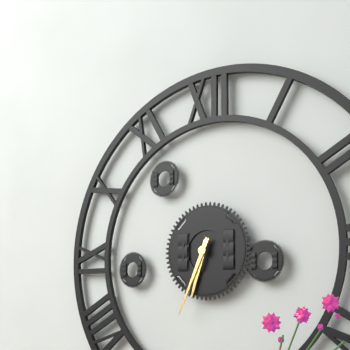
**6:34**
